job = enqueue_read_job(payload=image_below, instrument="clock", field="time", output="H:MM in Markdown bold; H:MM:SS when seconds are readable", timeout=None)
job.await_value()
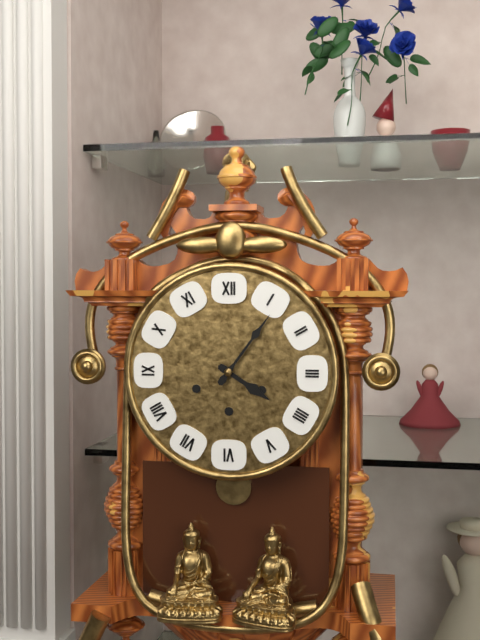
**4:06**
